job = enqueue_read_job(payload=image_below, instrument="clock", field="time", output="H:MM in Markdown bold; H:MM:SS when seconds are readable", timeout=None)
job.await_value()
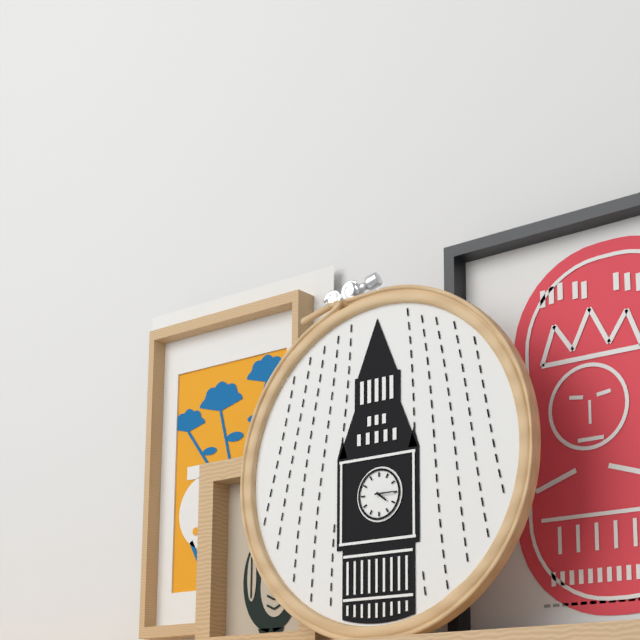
**4:15**
